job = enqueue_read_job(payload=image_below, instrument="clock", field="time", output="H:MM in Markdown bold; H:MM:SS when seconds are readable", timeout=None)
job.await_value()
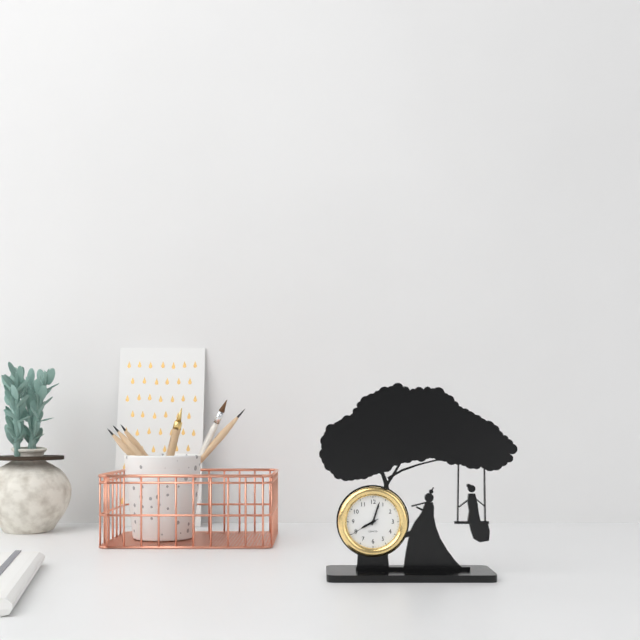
**8:03**
